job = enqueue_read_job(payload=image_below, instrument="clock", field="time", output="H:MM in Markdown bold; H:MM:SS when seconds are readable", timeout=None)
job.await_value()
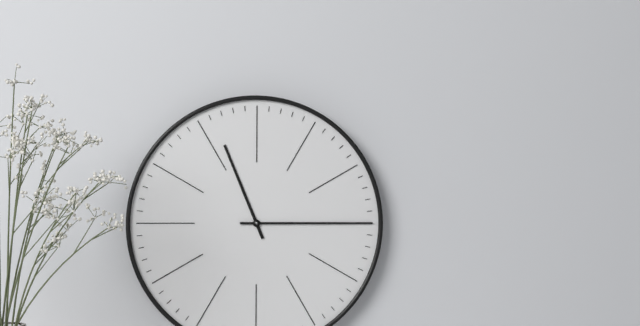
**11:15**
